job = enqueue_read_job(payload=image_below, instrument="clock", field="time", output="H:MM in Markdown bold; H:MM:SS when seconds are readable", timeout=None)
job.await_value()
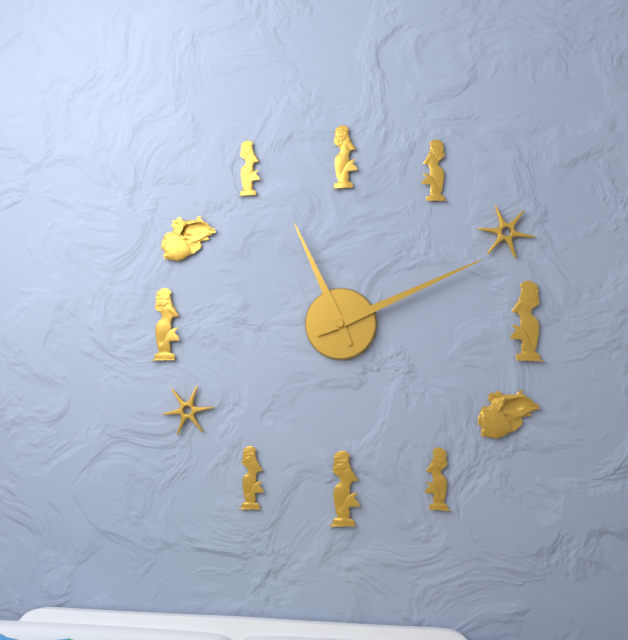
**11:11**
